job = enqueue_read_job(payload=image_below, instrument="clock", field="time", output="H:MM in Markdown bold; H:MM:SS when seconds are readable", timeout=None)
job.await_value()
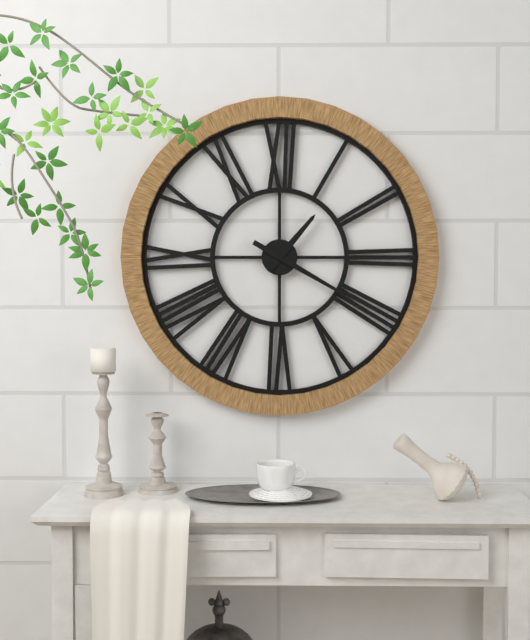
**1:20**
